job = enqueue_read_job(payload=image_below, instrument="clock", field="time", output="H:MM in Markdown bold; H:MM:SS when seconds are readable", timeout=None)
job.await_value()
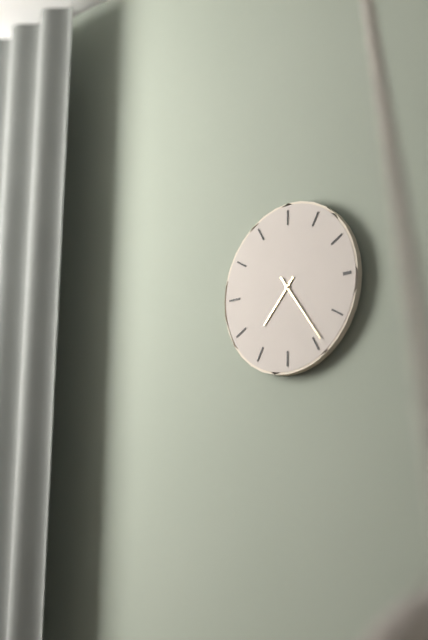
**7:24**
